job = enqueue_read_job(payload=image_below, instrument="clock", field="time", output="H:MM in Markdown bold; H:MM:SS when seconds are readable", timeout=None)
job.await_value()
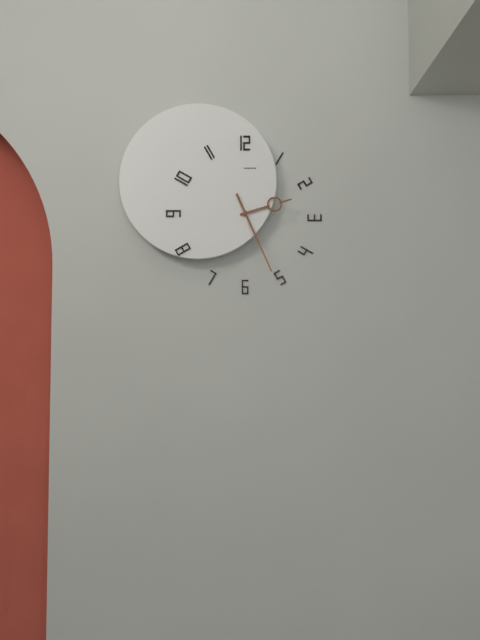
**2:26**
